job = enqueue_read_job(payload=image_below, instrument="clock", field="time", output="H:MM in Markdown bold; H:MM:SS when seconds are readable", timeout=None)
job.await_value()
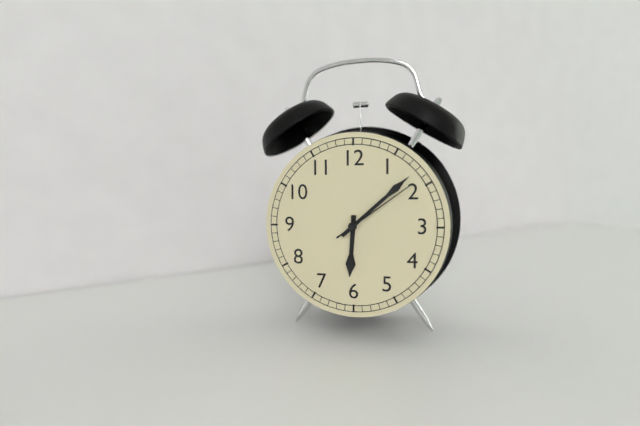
**6:08:09**
